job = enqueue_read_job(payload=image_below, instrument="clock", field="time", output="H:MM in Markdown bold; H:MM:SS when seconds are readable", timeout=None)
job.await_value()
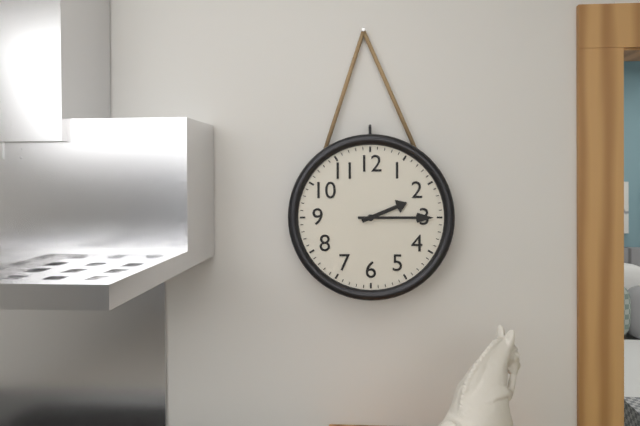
**2:15**
